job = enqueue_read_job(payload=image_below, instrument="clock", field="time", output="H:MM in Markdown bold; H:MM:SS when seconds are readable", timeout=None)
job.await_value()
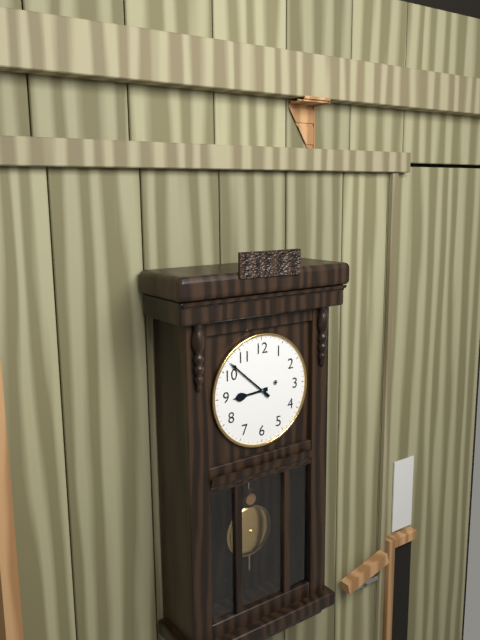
**8:52**
